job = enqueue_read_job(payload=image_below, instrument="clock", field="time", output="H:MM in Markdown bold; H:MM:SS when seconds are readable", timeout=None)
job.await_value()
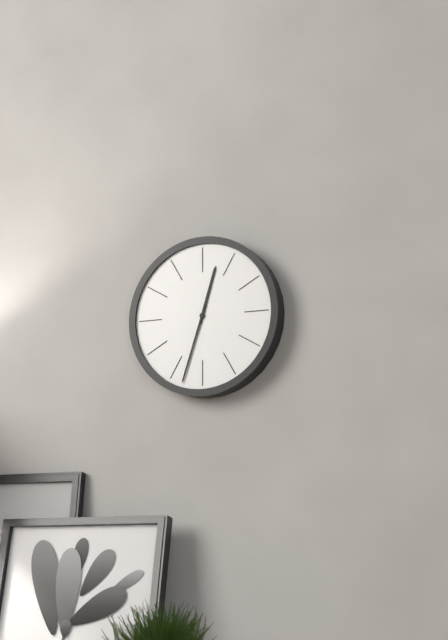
**12:33**
